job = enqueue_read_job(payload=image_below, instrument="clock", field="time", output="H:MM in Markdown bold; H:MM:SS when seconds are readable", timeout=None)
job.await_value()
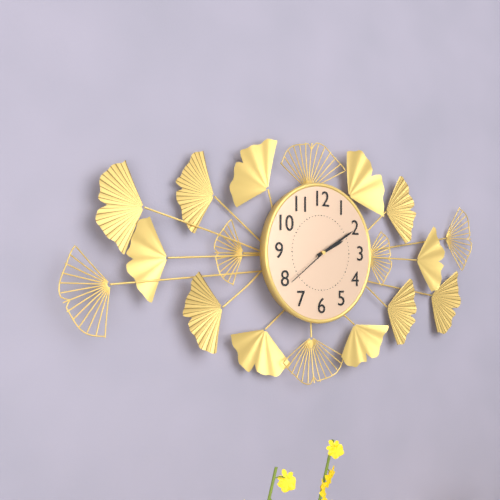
**2:10**
